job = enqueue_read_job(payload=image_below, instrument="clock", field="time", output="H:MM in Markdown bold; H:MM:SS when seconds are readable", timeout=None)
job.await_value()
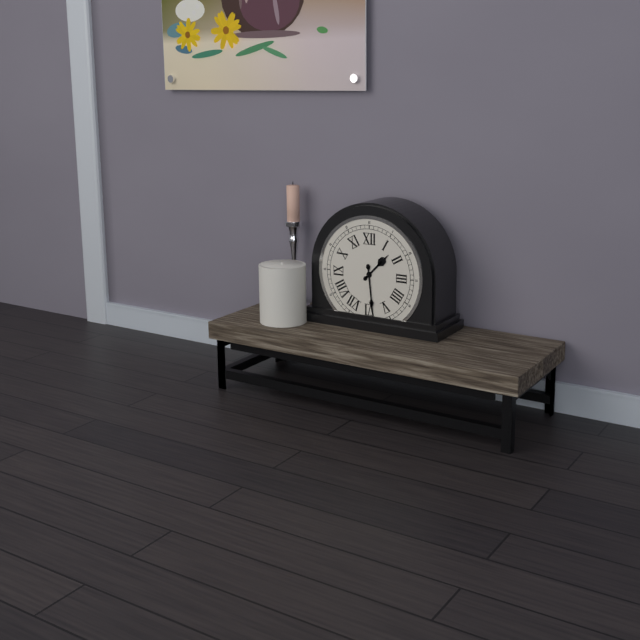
**1:29**
